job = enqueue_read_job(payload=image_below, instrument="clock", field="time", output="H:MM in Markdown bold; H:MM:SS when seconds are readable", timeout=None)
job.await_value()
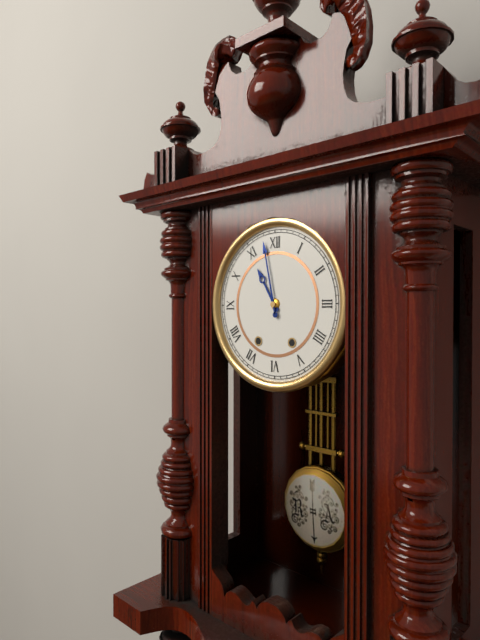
**10:58**
